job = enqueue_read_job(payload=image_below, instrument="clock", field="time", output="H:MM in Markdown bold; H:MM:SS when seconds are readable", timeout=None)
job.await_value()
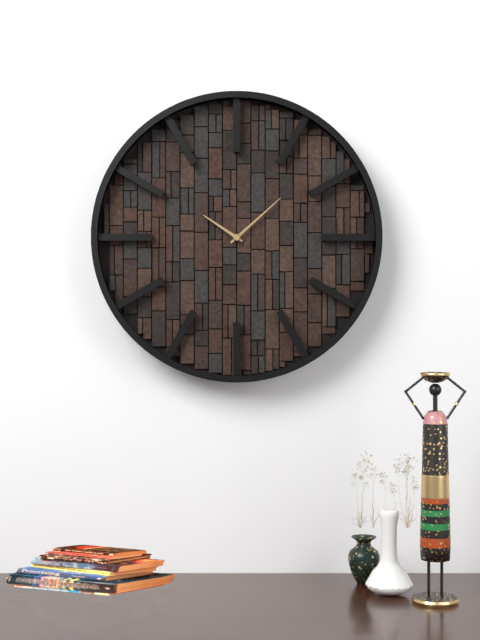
**10:08**
